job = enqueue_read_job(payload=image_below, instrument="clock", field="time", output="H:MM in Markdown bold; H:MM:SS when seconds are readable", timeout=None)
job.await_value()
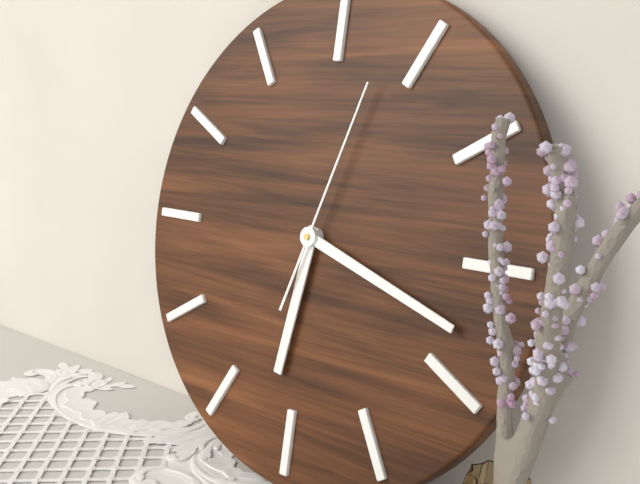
**6:18:03**
